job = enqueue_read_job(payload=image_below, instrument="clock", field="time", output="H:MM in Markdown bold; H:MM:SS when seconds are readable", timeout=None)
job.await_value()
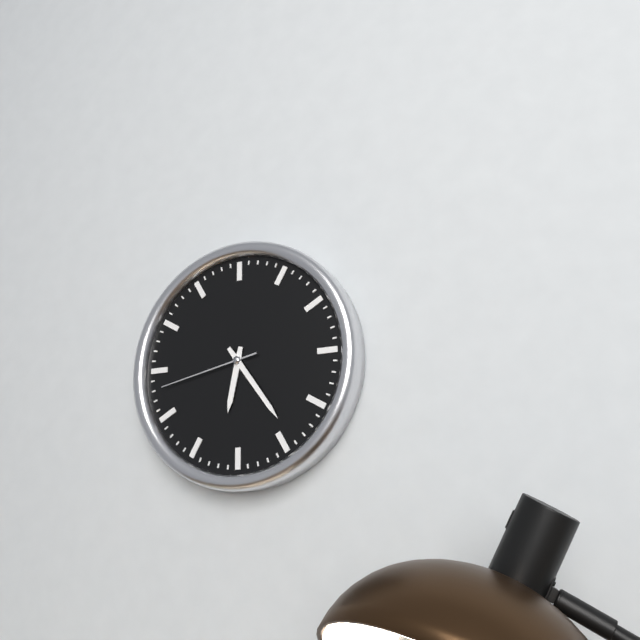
**6:24:43**
